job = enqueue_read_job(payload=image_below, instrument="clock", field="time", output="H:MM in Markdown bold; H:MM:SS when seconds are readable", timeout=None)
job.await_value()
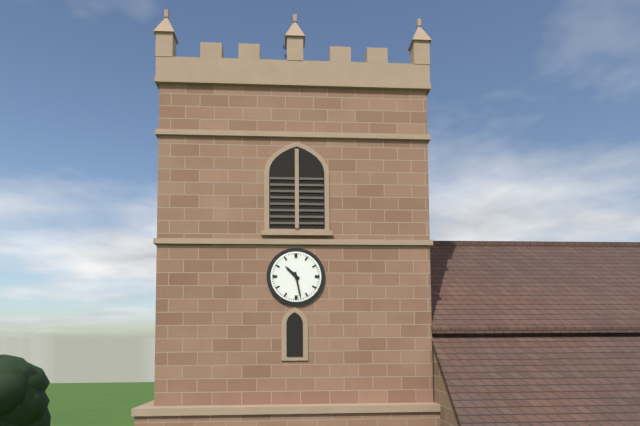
**10:28**
